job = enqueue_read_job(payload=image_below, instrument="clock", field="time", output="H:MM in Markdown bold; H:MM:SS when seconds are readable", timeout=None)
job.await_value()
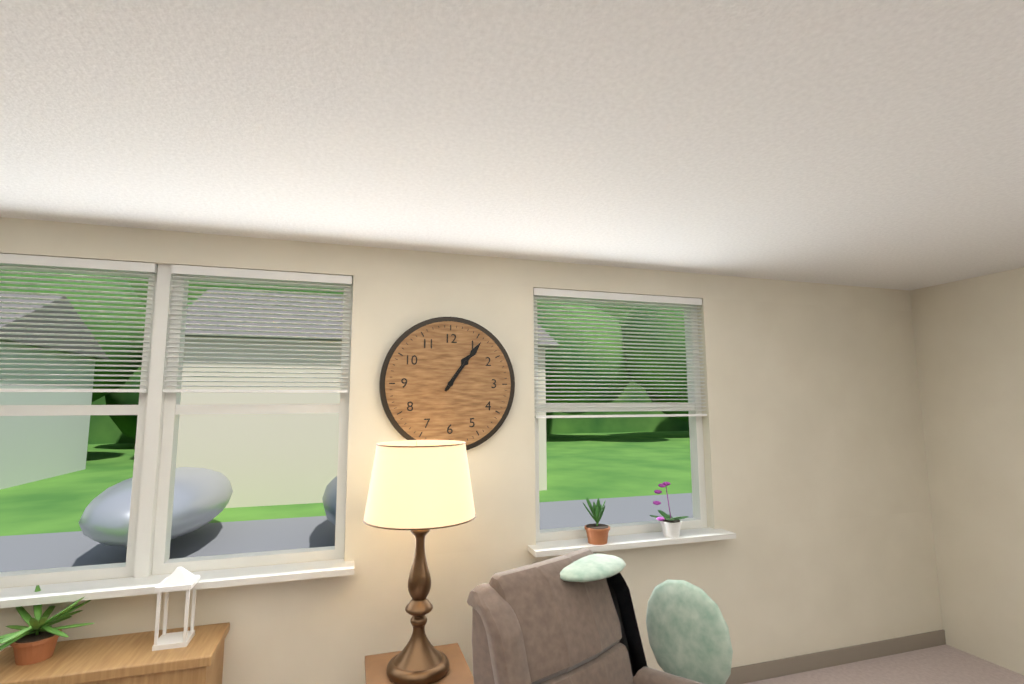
**1:06**
